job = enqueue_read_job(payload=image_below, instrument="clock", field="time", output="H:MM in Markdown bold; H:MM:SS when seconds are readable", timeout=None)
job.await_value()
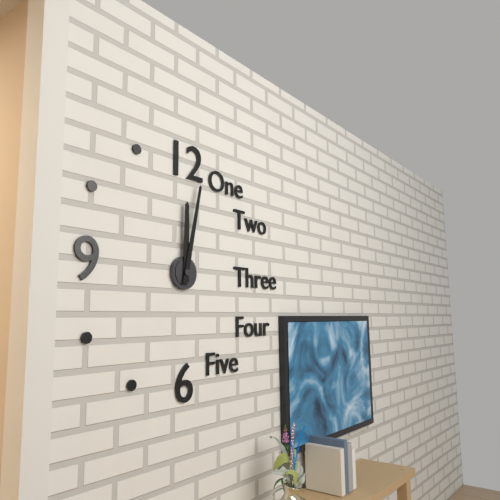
**12:02**
